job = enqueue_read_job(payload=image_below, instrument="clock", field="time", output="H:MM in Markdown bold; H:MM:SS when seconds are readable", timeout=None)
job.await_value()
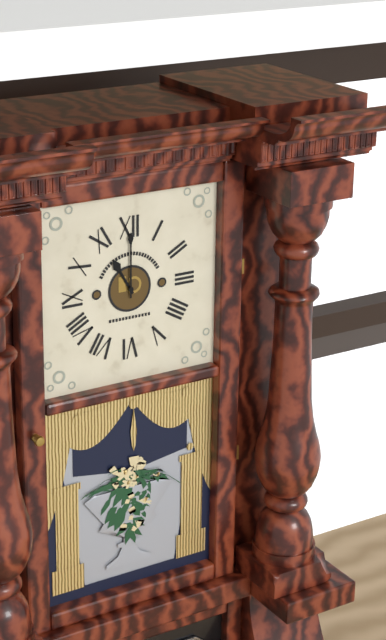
**11:00**
